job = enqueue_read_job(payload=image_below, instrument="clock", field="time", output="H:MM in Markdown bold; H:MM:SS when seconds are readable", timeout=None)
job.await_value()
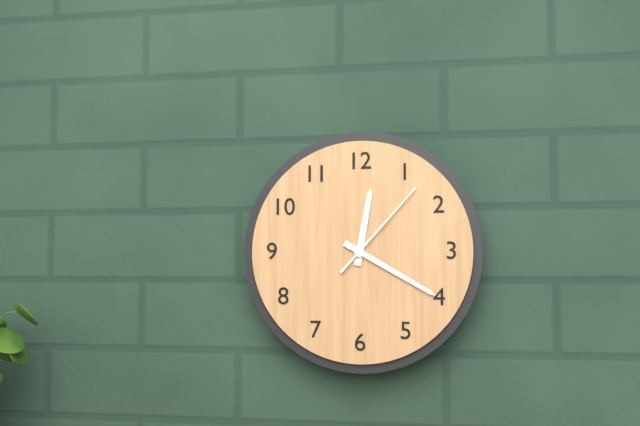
**12:20:07**
